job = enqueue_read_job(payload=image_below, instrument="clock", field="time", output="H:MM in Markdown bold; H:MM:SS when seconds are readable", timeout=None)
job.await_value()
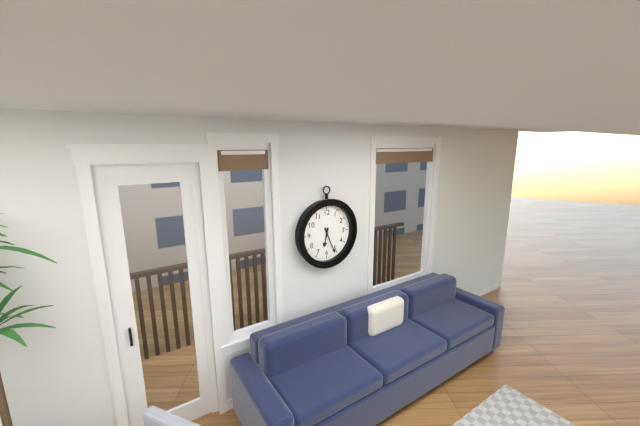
**6:26**
